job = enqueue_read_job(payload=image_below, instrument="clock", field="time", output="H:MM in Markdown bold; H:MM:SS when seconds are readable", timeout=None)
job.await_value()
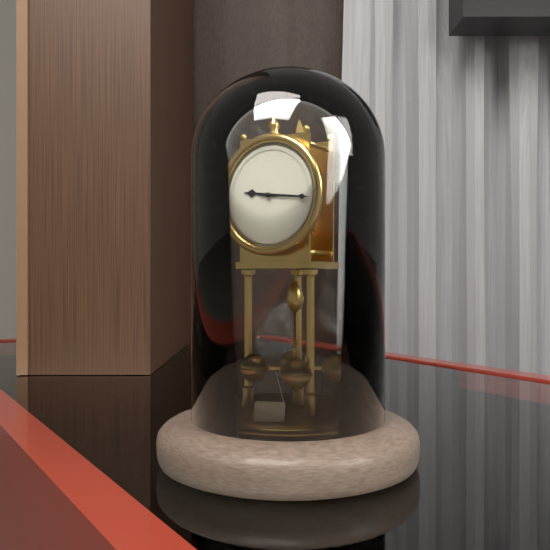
**9:16**
